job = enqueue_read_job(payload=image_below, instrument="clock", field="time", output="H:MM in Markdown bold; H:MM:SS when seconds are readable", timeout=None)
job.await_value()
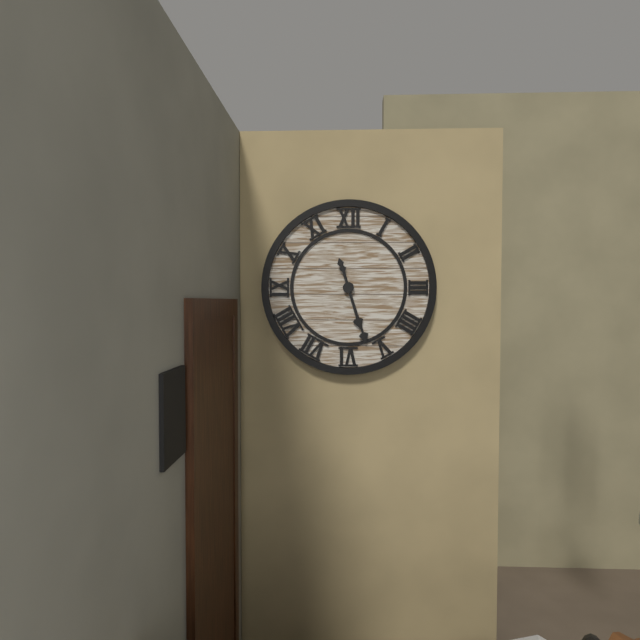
**5:27**
